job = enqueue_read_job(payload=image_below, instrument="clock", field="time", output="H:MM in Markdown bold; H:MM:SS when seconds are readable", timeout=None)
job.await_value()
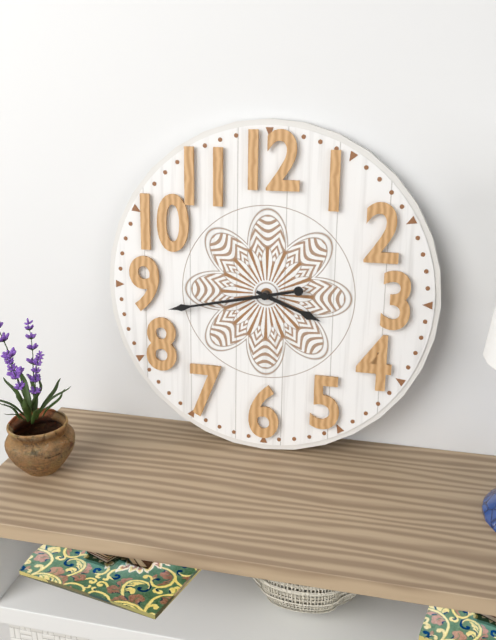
**3:43**
